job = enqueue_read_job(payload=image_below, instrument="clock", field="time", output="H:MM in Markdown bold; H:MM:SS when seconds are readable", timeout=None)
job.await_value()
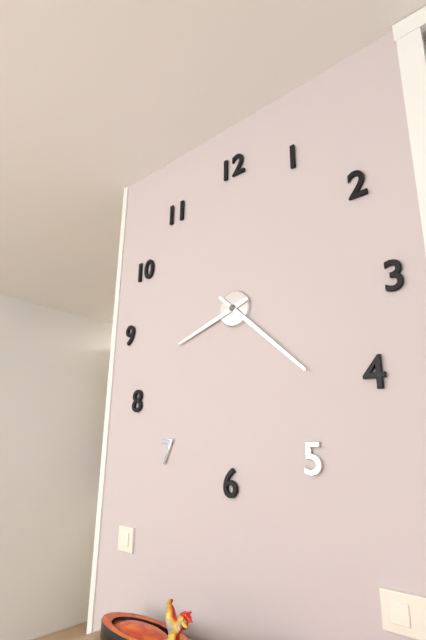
**8:22**
